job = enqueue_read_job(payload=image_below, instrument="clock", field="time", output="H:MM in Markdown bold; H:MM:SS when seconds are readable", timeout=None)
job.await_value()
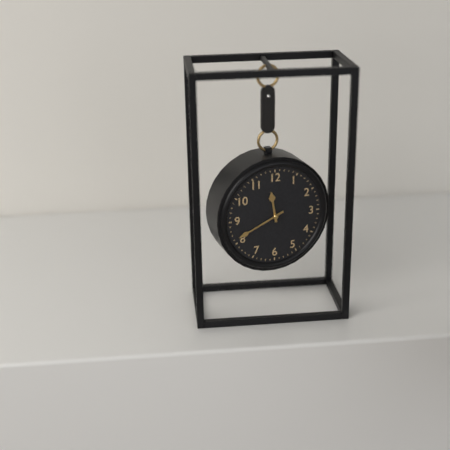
**11:41**
